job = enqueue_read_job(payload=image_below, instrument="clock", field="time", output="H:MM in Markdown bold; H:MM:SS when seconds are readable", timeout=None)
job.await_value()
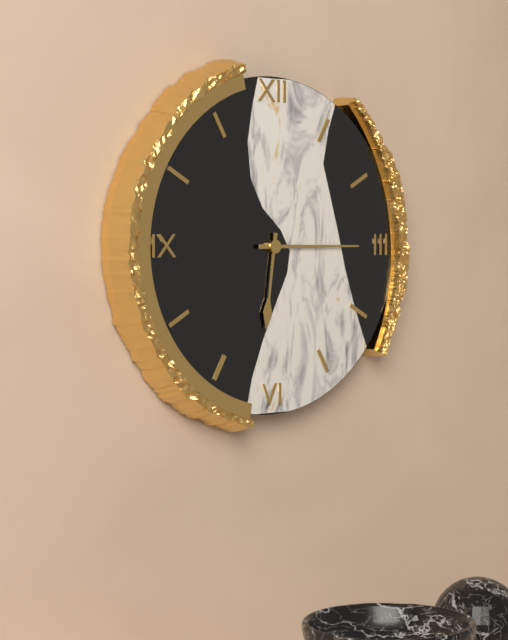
**6:15**
